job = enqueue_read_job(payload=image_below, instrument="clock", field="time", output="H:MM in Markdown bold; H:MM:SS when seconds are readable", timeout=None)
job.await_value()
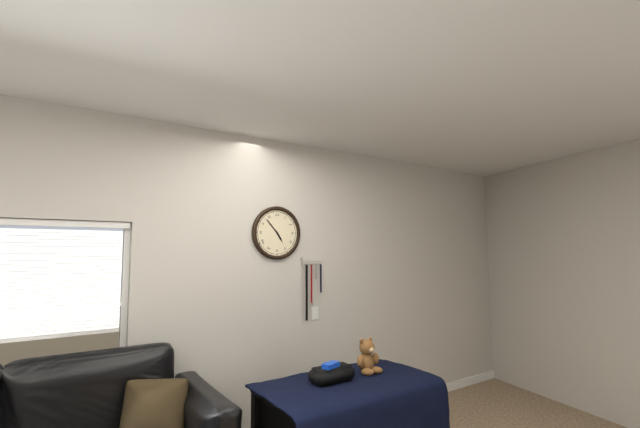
**4:53**
